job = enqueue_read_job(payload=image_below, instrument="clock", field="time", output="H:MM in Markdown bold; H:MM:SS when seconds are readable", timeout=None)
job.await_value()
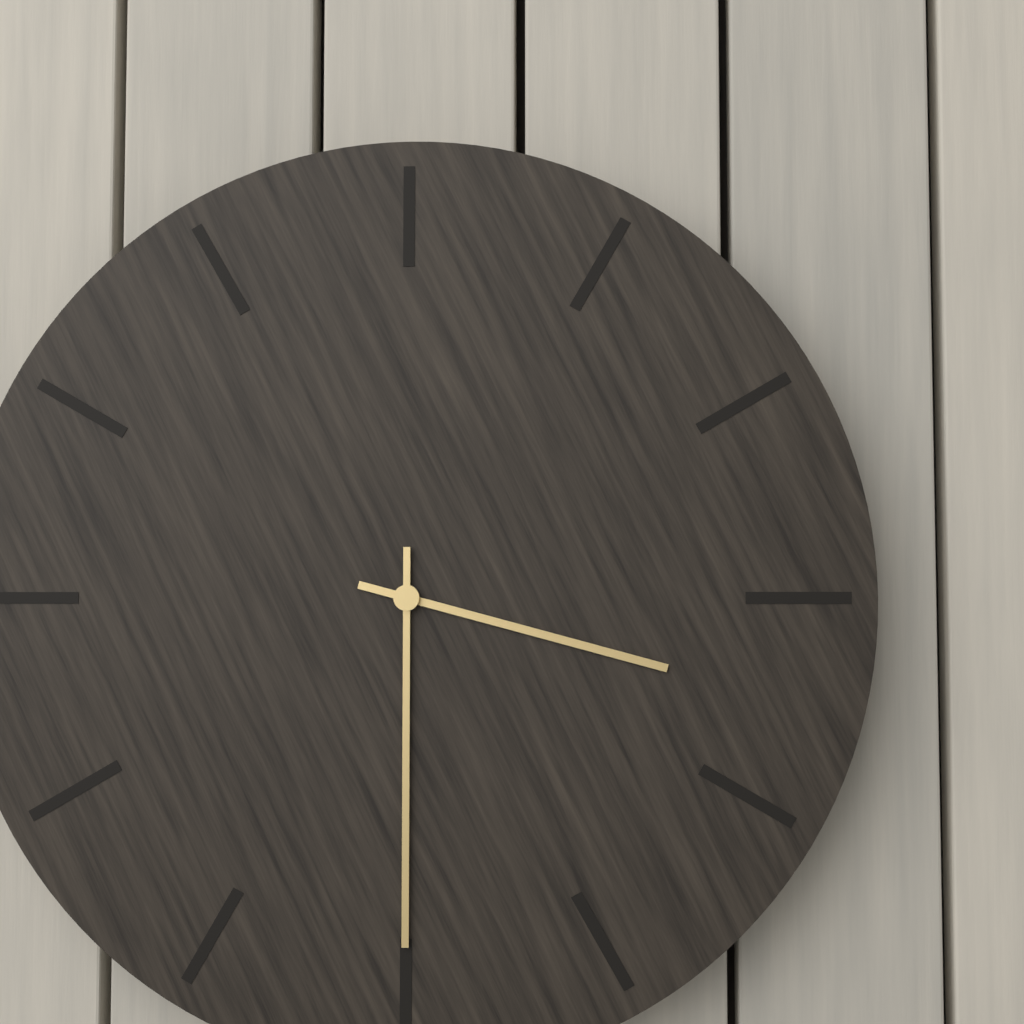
**3:30**
